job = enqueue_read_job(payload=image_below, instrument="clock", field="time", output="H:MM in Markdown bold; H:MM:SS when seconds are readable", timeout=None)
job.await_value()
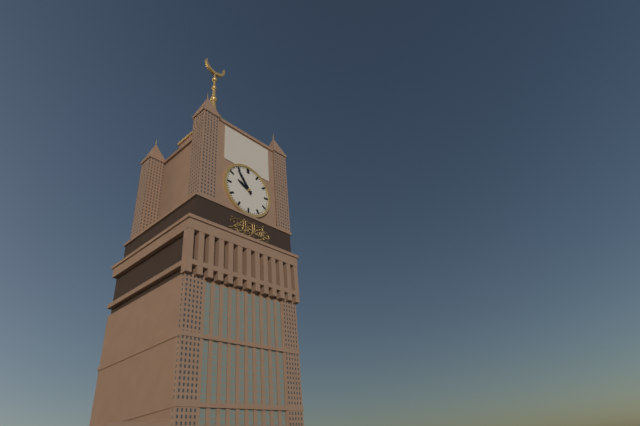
**9:54**
